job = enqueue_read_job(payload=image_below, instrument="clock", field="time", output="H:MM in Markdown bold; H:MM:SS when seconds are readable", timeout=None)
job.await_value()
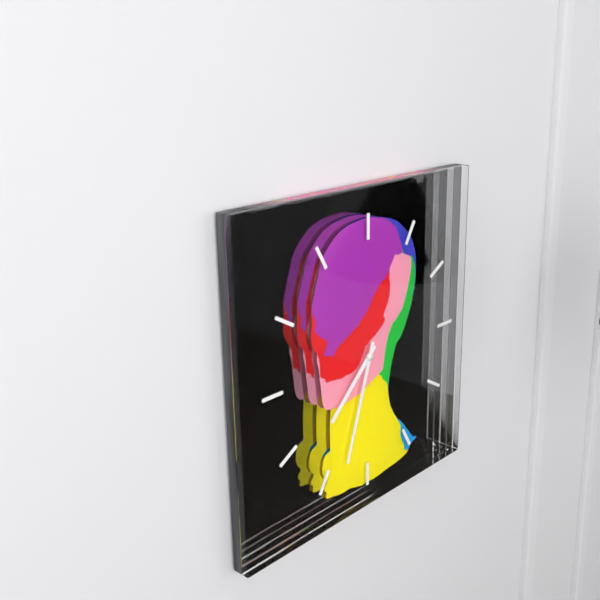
**7:33**
